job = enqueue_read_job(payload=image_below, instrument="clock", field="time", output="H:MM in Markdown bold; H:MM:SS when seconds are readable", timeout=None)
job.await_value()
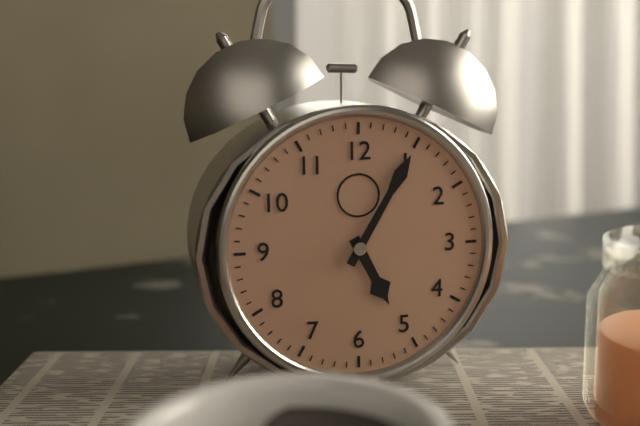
**5:05**
